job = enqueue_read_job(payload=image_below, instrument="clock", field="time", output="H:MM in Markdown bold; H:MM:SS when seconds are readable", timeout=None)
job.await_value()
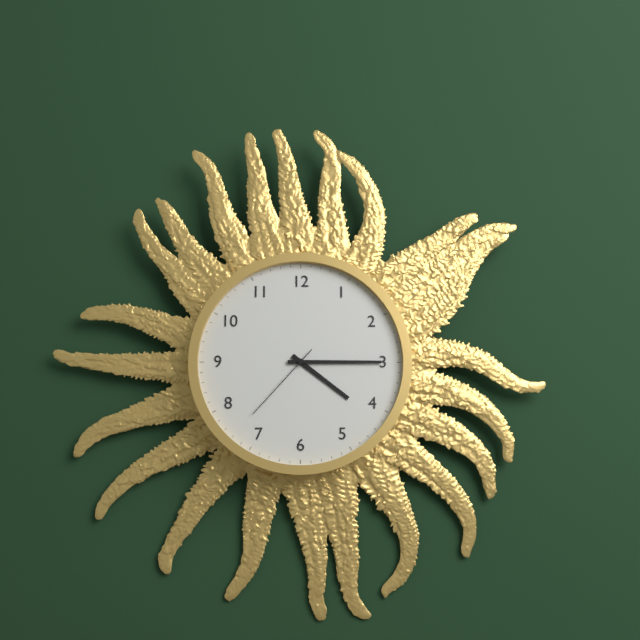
**4:15:37**
